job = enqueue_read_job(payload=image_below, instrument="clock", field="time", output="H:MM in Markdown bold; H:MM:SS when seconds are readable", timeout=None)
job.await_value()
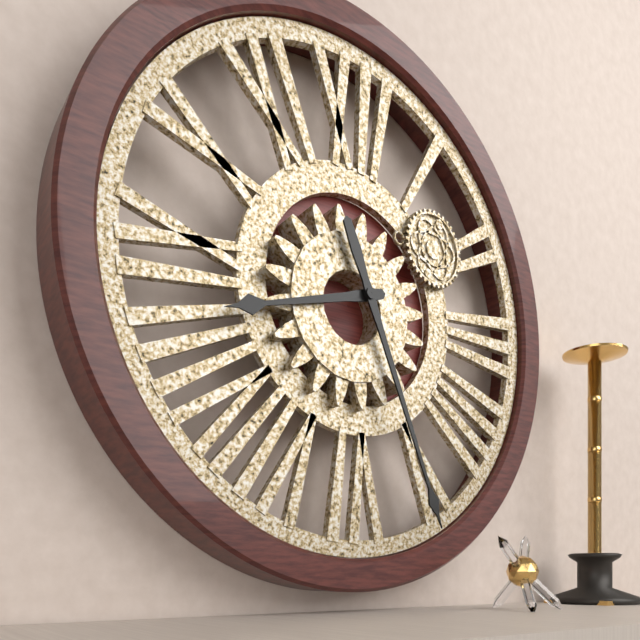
**8:26**
